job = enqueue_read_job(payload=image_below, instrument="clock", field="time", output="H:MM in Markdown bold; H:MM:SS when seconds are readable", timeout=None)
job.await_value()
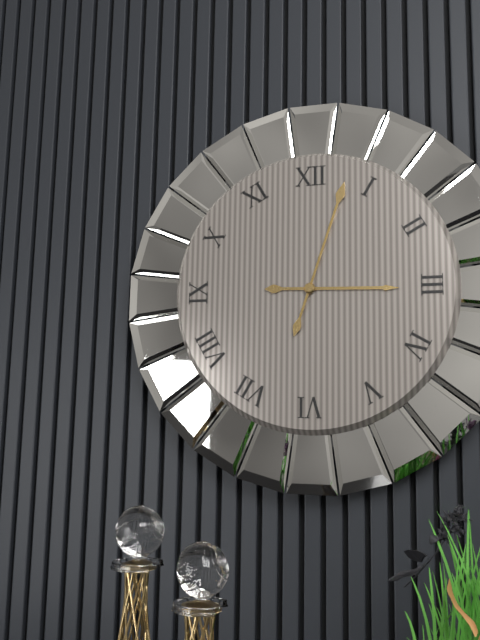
**3:03**
